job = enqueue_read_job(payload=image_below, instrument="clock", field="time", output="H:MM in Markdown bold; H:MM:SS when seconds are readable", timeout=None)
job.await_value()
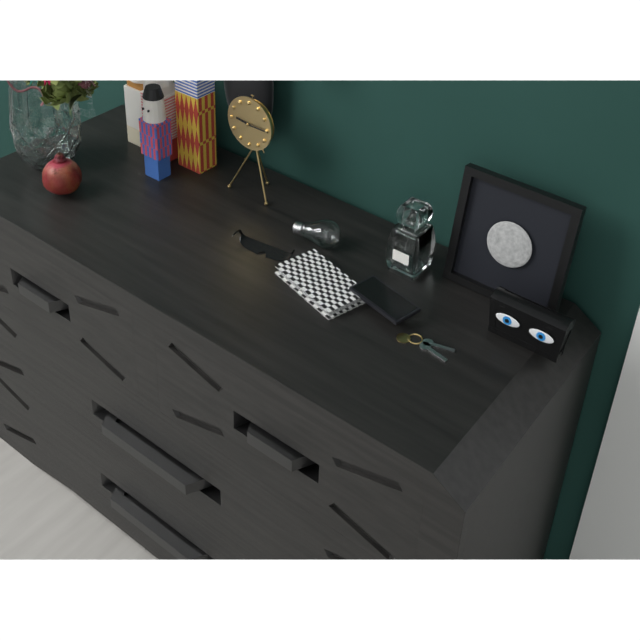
**9:15**
